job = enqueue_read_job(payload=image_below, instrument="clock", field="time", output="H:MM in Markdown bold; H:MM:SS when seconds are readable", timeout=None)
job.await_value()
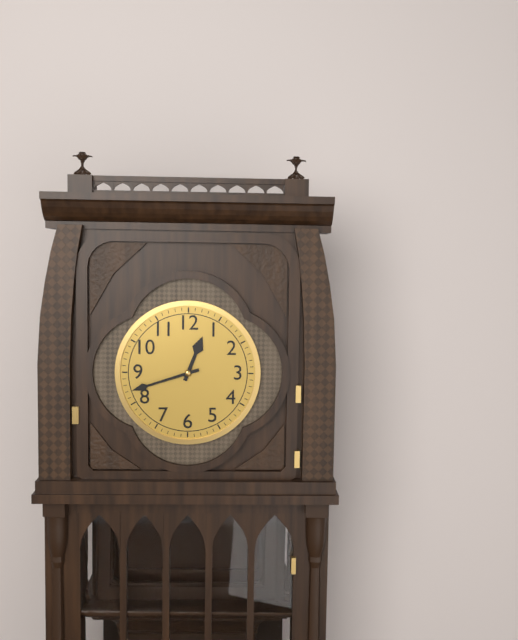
**12:42**
